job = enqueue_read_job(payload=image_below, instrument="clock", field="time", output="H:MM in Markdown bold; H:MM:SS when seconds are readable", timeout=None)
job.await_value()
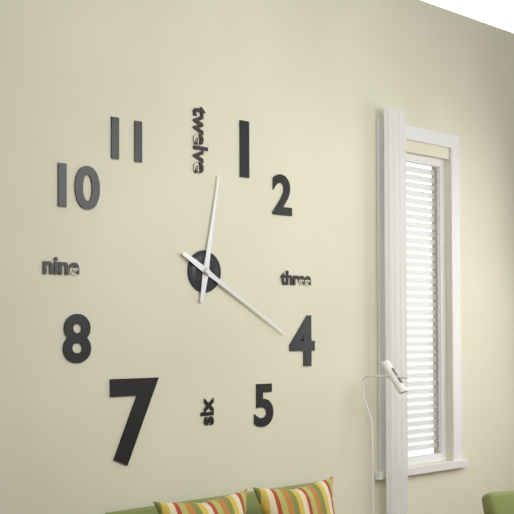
**12:20**
